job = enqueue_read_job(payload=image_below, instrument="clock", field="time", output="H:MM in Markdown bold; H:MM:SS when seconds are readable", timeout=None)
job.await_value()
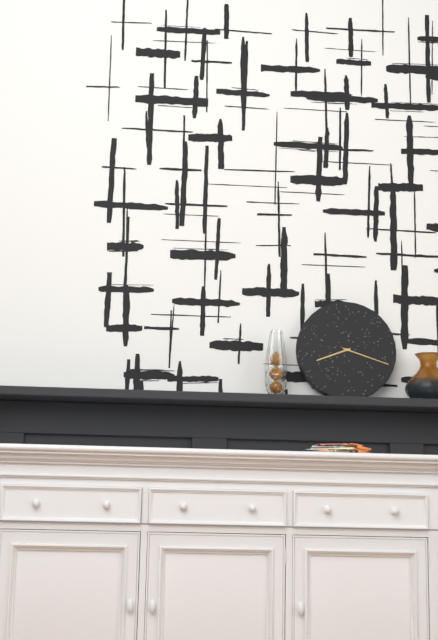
**8:18**
